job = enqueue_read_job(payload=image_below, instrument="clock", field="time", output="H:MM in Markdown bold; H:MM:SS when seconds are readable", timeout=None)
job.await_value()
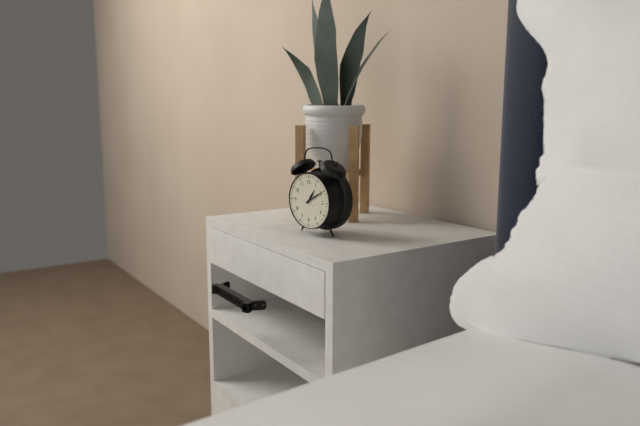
**1:10**
